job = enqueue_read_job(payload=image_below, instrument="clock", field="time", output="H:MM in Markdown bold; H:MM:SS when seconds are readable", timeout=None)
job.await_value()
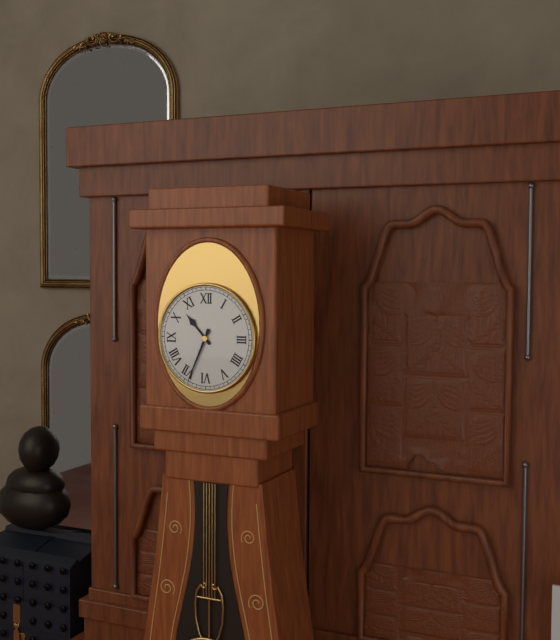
**10:34**
